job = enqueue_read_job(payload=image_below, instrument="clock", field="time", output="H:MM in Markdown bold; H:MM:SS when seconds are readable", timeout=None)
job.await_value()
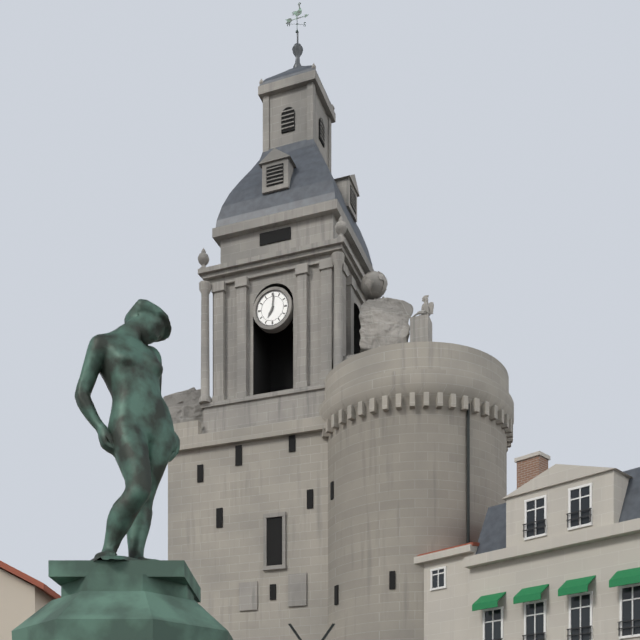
**7:01**
